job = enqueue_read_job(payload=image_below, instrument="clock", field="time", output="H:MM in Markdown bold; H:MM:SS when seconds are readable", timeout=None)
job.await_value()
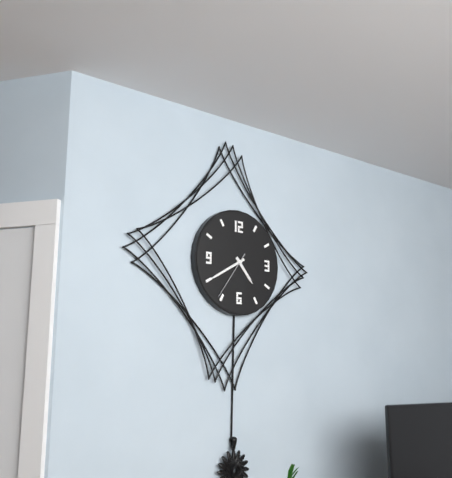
**4:40:36**
